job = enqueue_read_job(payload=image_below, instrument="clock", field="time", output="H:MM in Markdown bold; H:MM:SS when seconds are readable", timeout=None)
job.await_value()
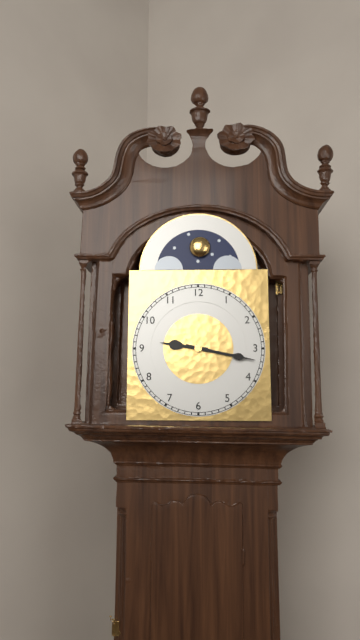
**9:17**
